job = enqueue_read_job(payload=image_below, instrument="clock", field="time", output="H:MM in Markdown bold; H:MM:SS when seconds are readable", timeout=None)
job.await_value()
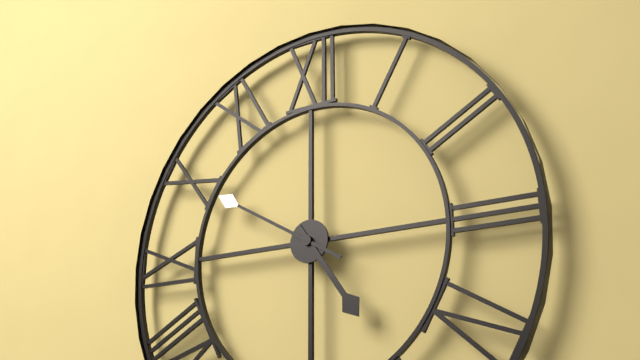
**4:50**
